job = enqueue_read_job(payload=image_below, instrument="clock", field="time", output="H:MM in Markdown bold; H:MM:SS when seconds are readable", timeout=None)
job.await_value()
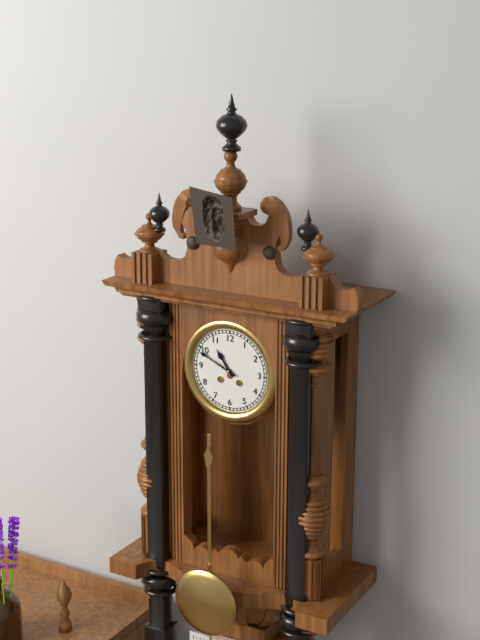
**10:49**
